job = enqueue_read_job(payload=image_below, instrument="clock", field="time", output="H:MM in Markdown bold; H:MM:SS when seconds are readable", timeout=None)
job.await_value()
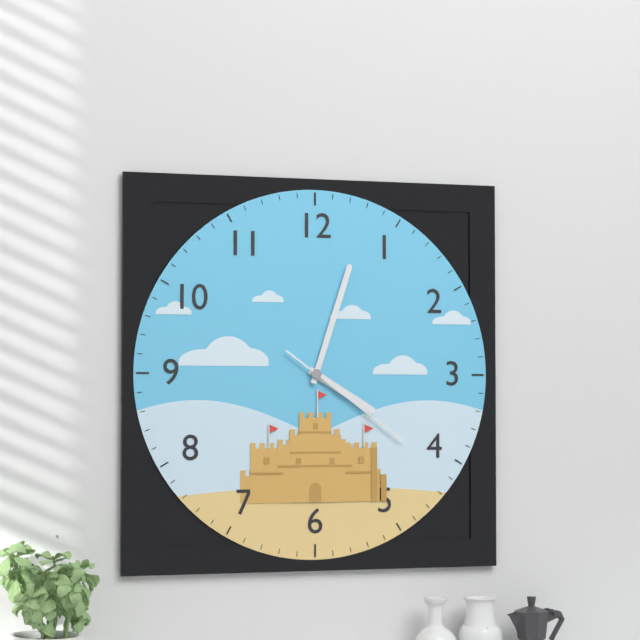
**4:03:21**
